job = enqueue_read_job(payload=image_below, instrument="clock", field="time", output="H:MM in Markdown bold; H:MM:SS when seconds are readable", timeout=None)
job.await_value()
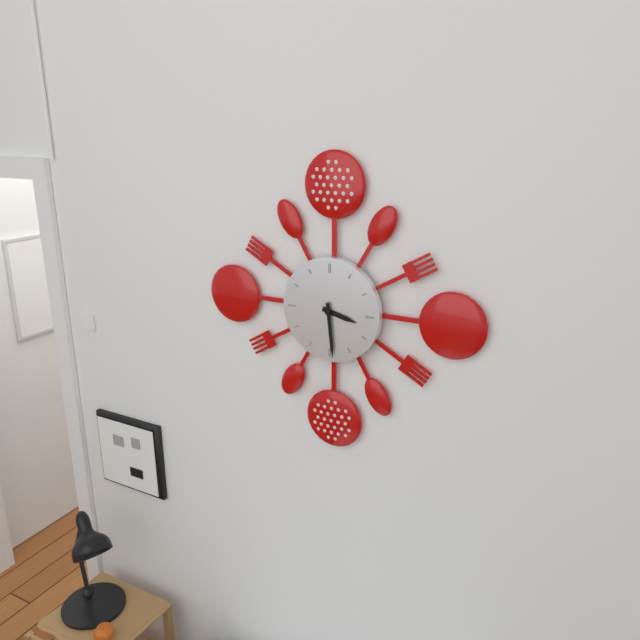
**3:29**
